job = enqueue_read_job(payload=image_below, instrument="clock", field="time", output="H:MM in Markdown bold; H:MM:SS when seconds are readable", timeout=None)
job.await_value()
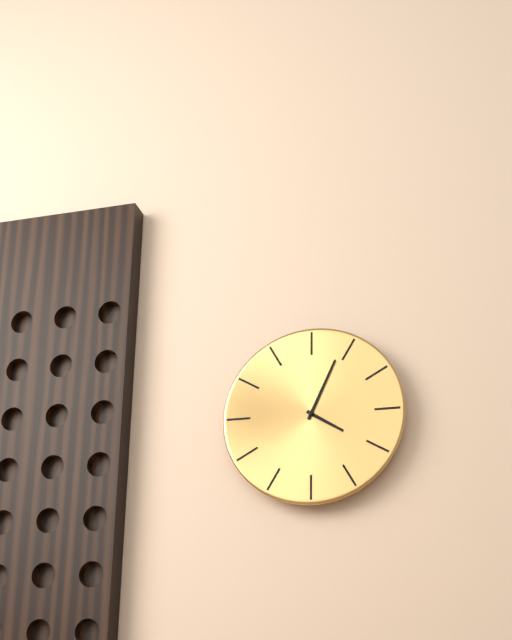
**4:04**
